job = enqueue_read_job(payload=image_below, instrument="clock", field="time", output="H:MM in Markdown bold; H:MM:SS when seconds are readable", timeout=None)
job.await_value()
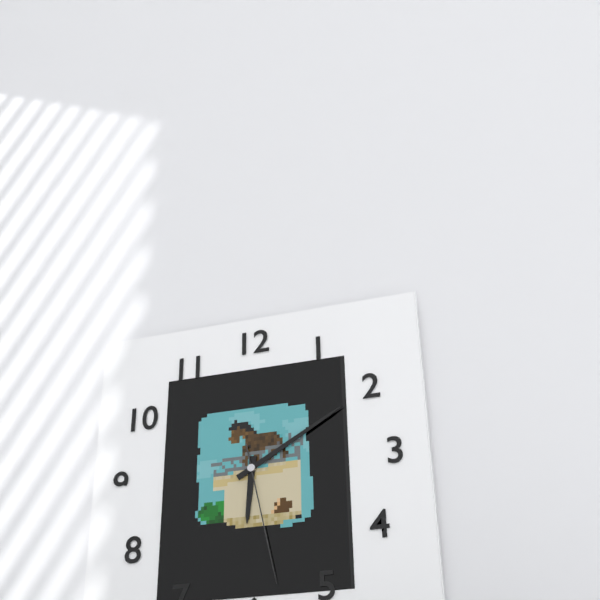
**6:10:28**
